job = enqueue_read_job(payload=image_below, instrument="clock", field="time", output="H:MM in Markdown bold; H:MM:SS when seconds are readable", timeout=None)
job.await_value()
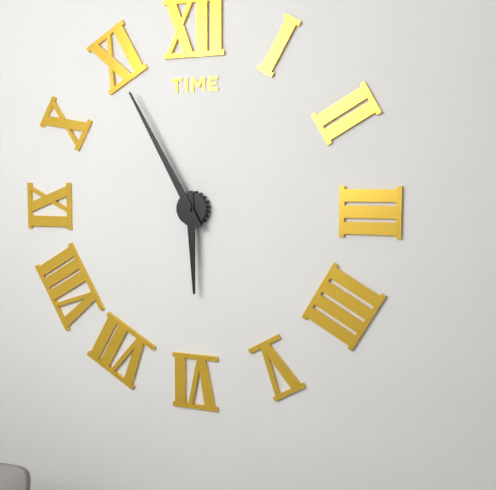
**5:55**
